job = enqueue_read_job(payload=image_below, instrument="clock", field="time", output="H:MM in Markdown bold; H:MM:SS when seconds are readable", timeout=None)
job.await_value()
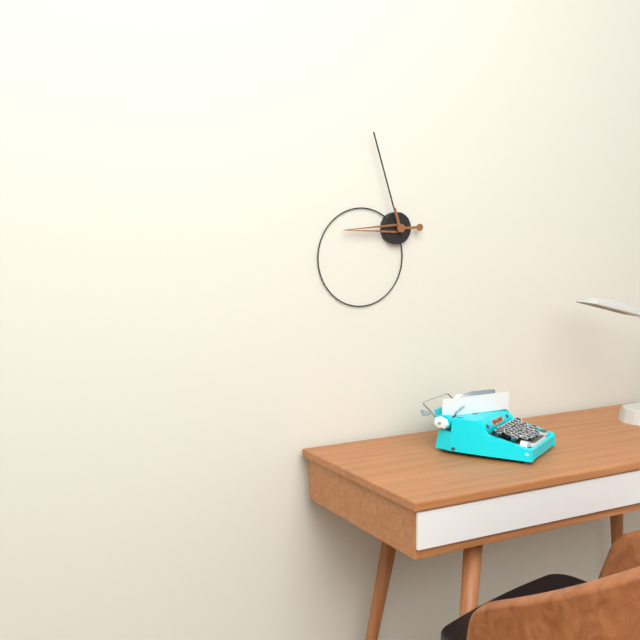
**8:57**
